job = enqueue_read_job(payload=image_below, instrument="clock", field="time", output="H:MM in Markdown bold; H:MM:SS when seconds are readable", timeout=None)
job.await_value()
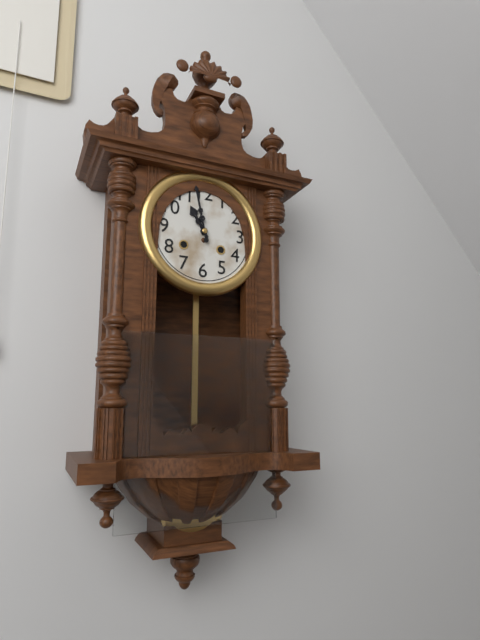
**10:58**
